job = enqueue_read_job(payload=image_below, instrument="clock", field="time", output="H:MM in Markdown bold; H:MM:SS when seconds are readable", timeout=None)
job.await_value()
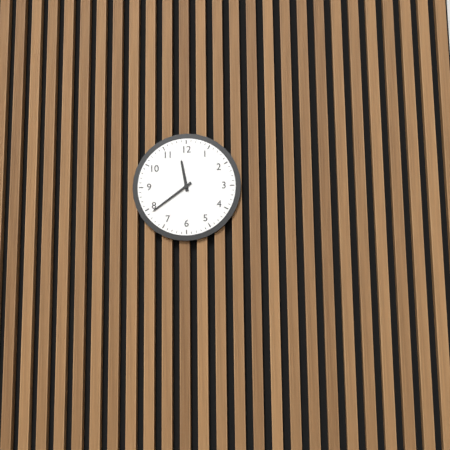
**11:39**
